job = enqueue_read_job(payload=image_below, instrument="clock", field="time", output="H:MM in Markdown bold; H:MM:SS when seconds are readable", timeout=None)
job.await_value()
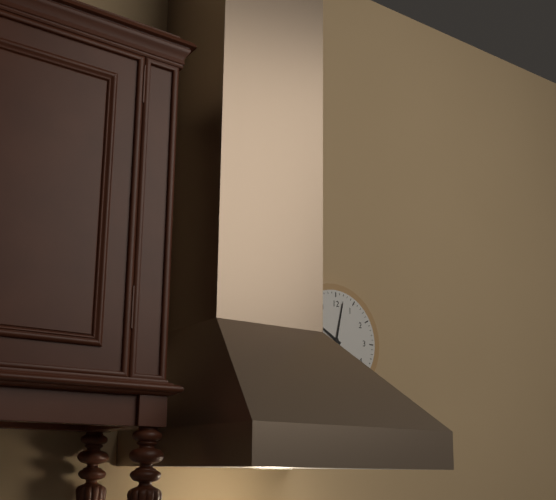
**10:02**
